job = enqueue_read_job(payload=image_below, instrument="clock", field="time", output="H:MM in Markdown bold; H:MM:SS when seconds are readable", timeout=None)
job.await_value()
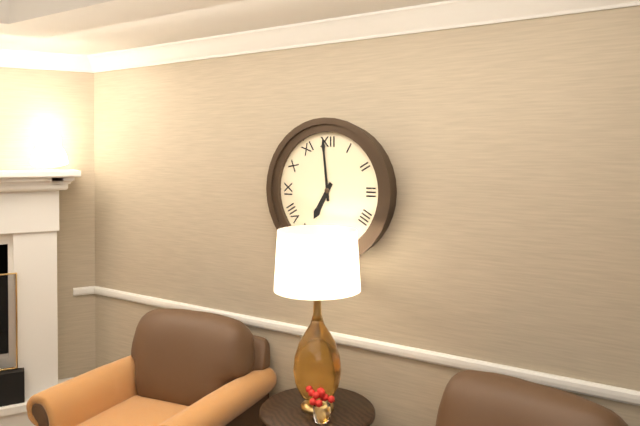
**6:59**
